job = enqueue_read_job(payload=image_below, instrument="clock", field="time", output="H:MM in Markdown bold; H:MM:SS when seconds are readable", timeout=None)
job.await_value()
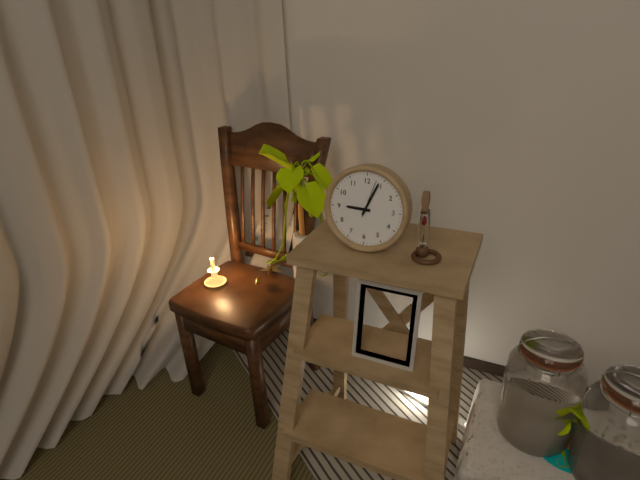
**9:04**
